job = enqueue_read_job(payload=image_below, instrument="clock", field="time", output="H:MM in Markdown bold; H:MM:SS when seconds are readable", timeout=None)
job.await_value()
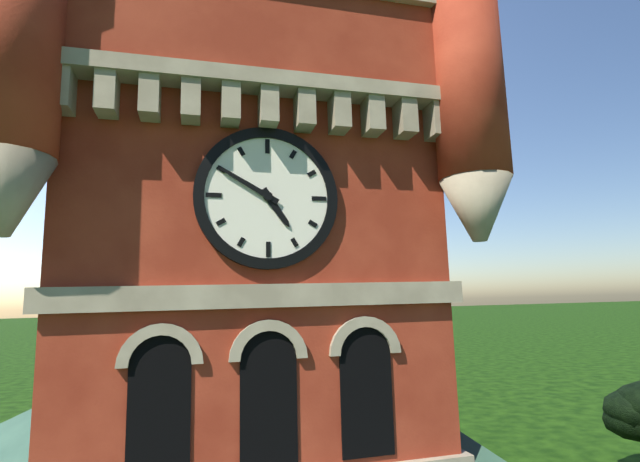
**4:50**
